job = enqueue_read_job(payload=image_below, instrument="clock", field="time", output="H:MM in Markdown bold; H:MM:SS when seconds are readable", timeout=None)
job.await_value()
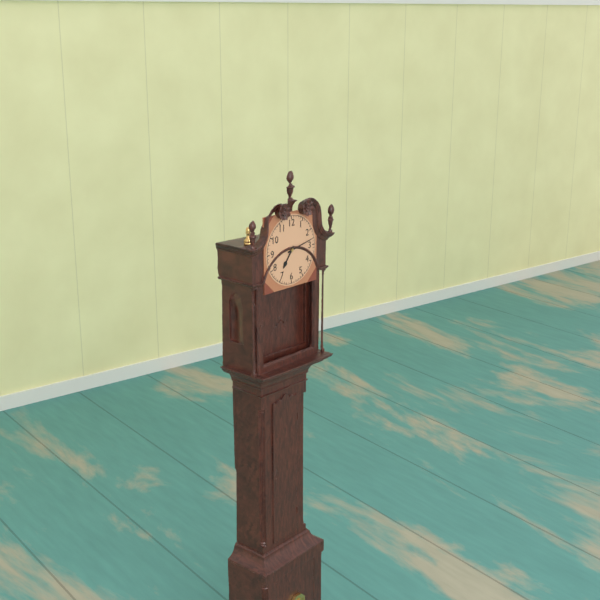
**7:13**
